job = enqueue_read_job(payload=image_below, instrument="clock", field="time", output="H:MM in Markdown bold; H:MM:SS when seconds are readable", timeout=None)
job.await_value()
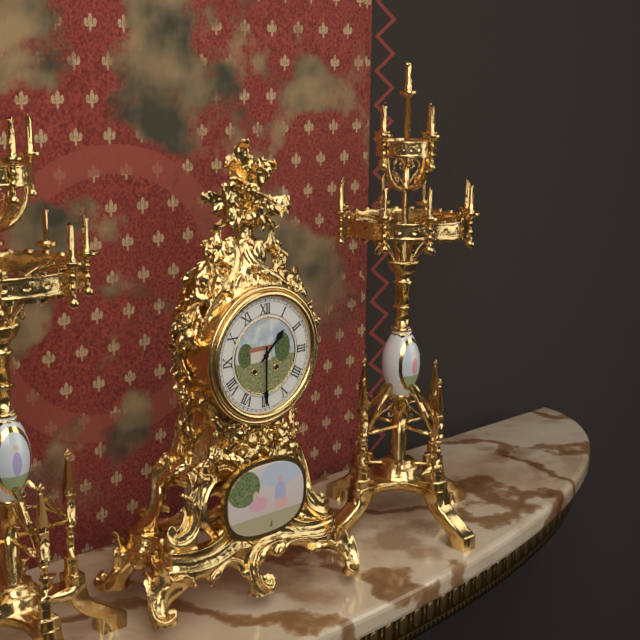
**1:30**
